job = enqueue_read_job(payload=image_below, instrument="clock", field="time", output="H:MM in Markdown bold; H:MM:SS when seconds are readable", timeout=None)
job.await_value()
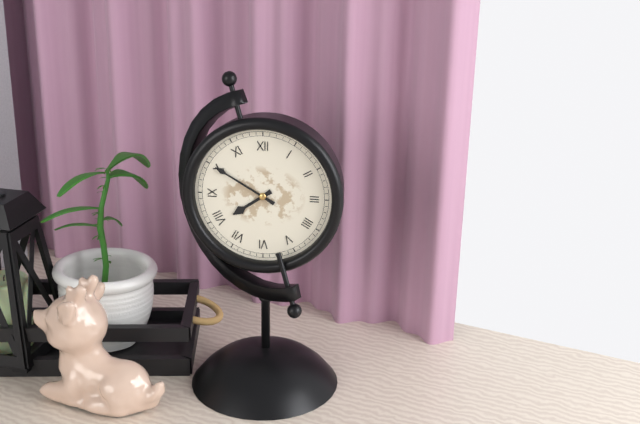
**7:50**
